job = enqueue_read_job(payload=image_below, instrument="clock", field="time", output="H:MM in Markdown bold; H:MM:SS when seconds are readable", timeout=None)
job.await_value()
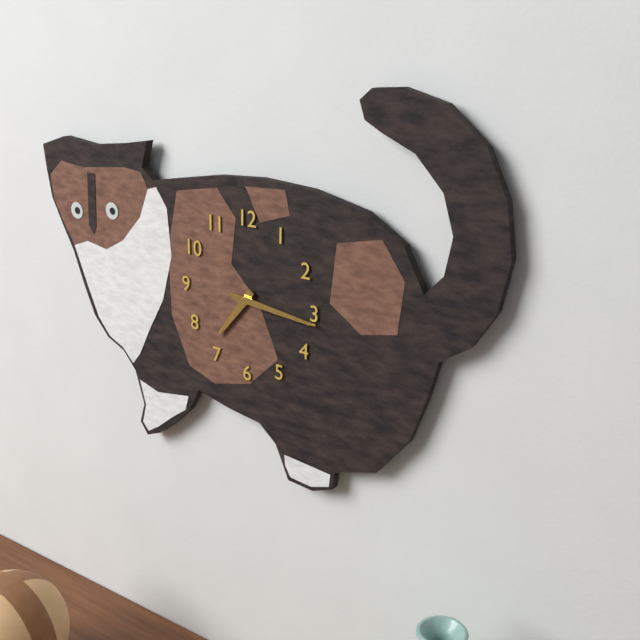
**7:16**
